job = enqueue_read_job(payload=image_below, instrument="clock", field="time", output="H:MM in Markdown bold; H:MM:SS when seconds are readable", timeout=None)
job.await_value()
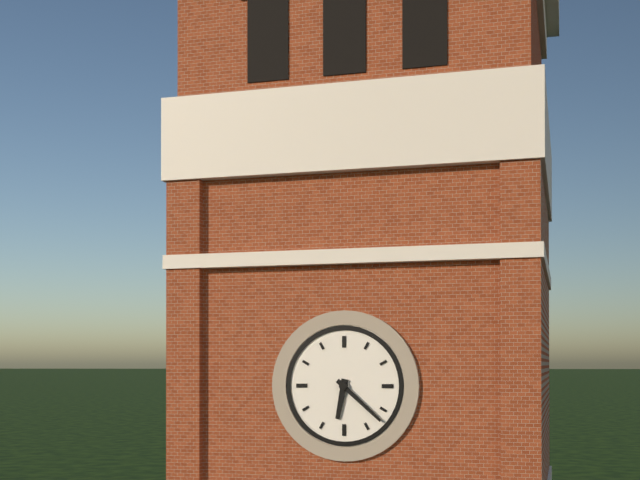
**6:22**
